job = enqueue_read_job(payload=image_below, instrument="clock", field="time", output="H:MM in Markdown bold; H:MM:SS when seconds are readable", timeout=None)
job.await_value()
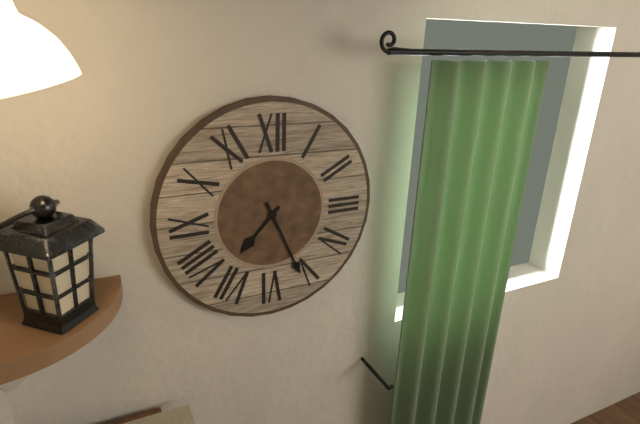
**7:26**
